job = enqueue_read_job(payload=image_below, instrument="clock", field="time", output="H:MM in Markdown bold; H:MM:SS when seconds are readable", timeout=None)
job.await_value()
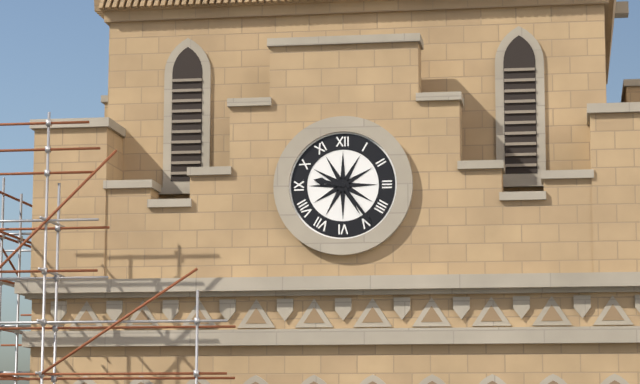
**9:24**
